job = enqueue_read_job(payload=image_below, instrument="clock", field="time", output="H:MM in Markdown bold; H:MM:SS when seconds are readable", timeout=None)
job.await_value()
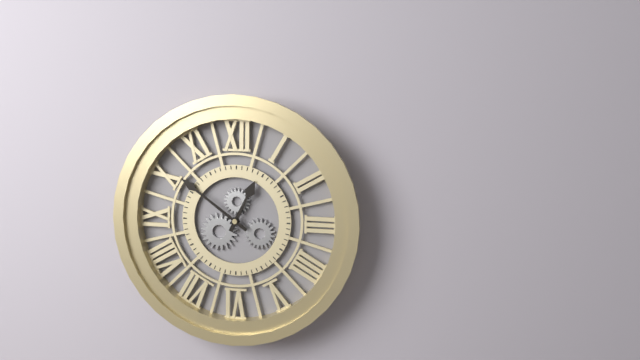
**12:51**
